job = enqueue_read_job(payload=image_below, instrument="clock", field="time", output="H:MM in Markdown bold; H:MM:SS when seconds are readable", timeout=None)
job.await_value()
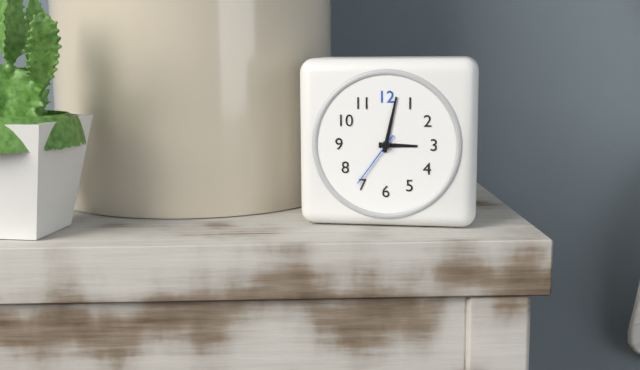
**3:02:36**
